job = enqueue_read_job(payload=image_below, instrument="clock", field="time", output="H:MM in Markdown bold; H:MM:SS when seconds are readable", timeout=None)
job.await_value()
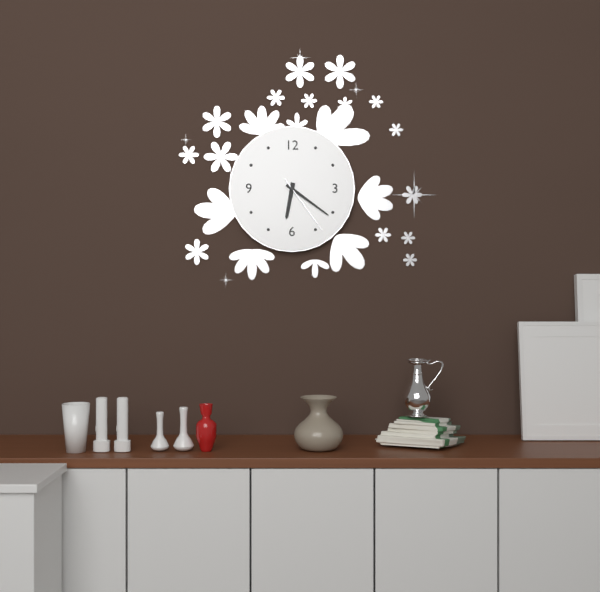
**6:21:24**
